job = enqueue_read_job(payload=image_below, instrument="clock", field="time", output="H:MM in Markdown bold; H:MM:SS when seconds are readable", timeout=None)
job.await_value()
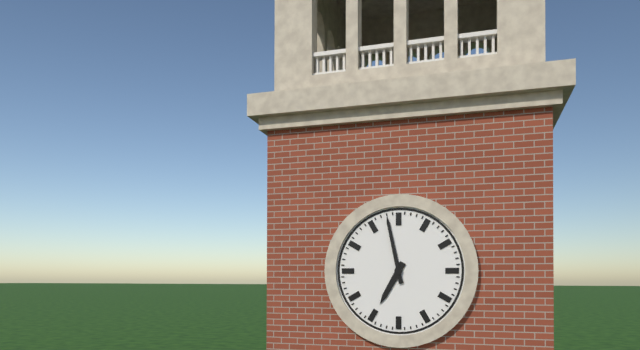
**6:58**
